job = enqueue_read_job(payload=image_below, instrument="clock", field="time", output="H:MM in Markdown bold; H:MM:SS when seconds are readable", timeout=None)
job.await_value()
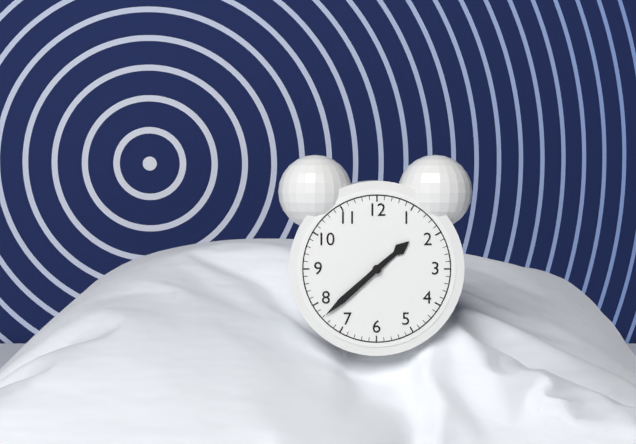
**1:38**
